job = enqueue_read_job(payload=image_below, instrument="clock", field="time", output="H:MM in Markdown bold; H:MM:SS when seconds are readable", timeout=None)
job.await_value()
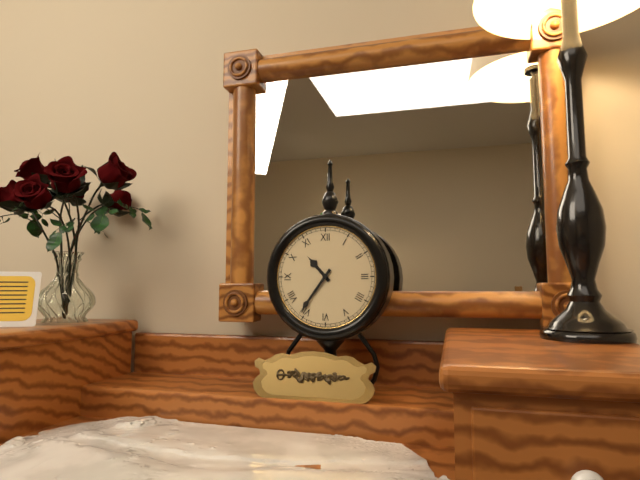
**10:36**
